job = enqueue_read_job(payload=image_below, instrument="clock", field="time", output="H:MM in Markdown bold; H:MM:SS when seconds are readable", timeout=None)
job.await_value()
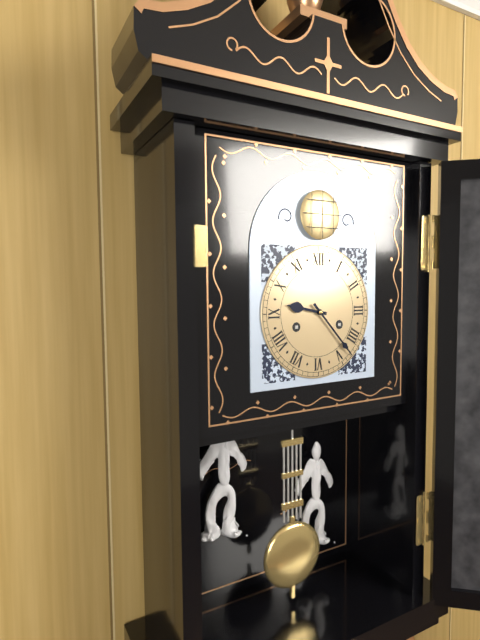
**9:23**
